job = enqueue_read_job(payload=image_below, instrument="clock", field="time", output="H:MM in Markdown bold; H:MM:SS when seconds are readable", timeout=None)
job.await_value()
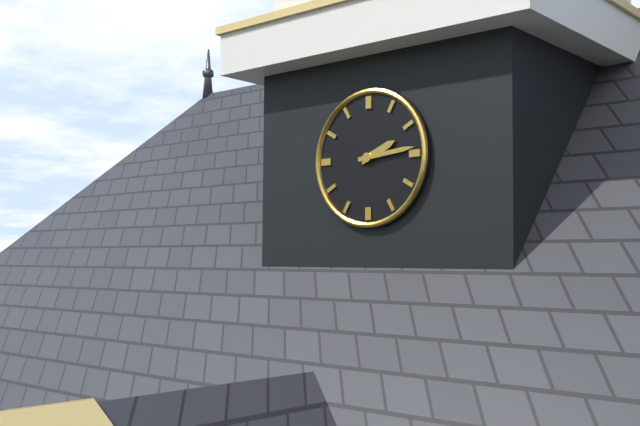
**2:14**
